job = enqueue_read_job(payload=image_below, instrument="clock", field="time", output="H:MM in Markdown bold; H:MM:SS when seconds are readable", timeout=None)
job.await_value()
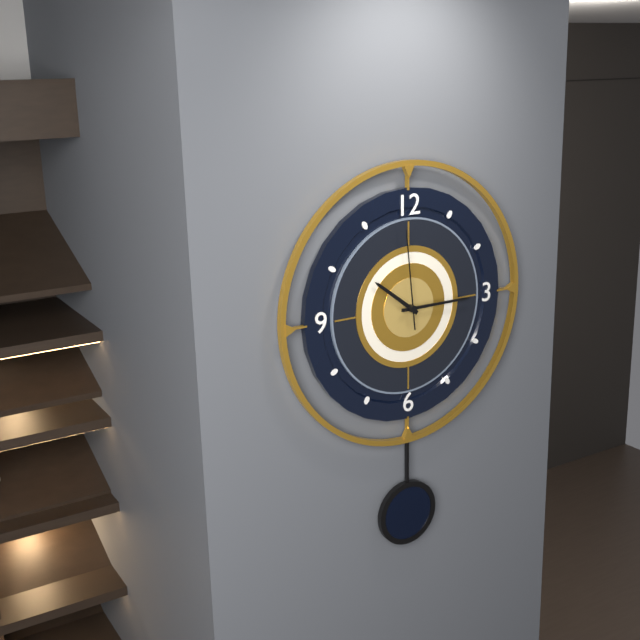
**10:15:59**
